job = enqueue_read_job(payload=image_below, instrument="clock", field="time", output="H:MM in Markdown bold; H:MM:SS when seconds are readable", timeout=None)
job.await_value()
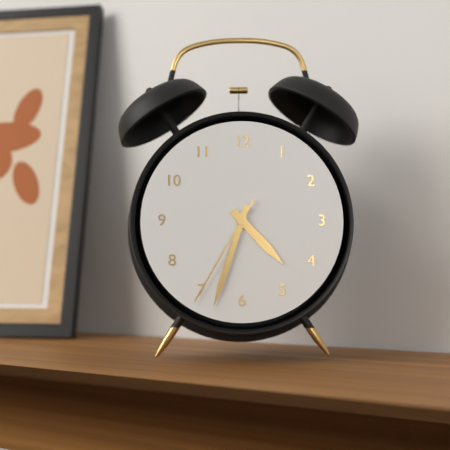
**4:33:35**
